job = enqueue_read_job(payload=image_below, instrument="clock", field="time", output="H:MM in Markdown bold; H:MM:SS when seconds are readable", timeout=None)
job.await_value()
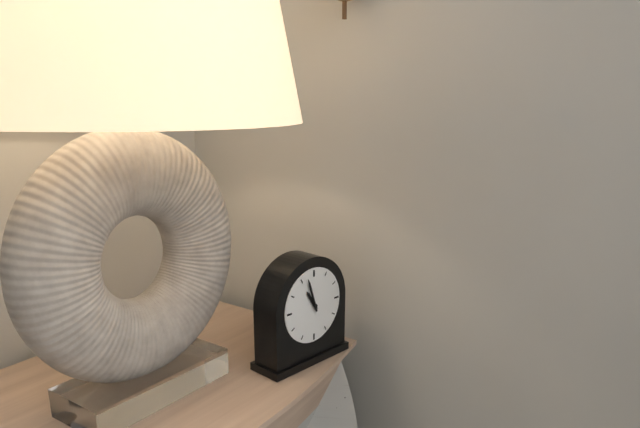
**10:57**
